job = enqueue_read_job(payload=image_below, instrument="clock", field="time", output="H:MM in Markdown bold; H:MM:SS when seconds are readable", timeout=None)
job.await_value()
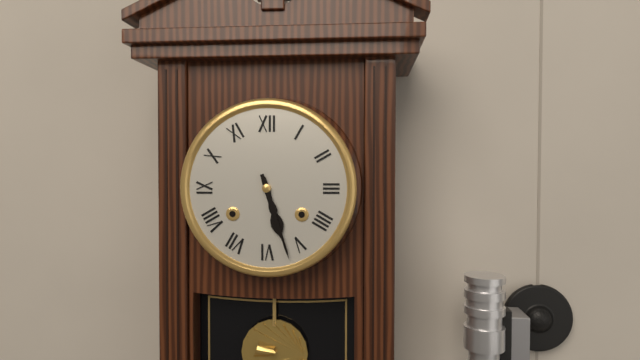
**5:27**
